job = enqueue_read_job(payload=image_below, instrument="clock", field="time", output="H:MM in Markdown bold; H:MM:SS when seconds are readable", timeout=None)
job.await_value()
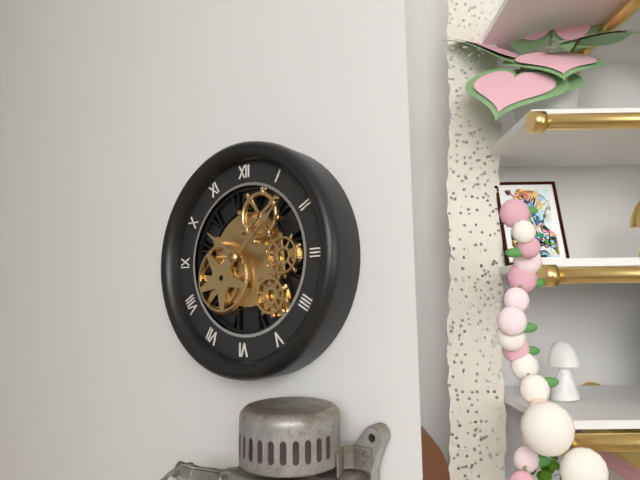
**10:08**
